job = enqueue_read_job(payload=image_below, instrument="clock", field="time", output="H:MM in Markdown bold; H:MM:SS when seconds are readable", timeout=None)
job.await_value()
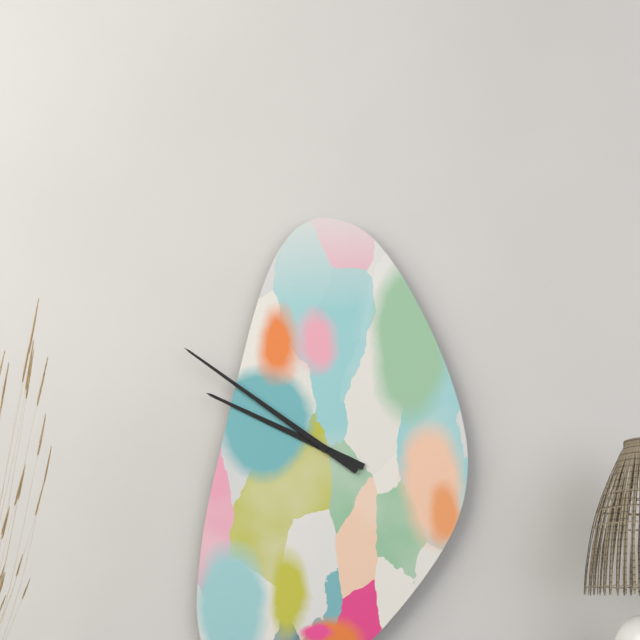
**9:51**
